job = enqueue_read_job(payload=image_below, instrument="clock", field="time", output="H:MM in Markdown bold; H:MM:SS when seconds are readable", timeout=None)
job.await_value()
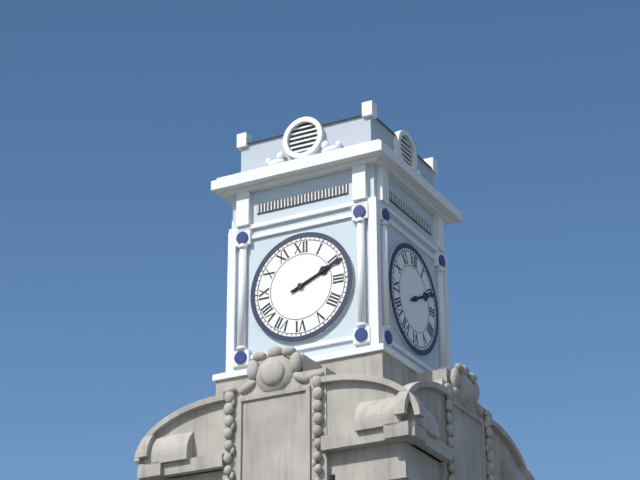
**2:11**
